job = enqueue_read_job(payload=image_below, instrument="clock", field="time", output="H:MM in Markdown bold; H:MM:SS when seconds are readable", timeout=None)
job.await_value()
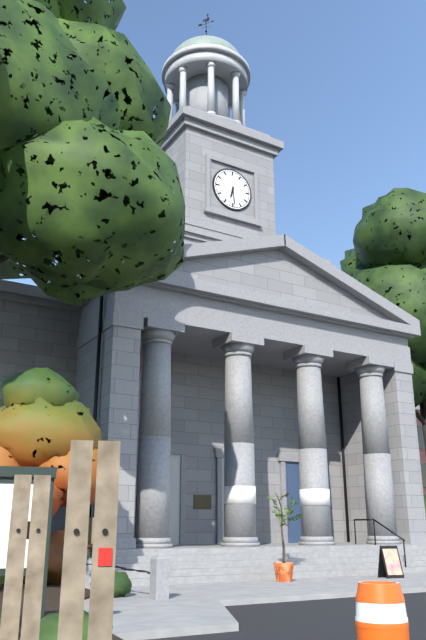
**6:29**
